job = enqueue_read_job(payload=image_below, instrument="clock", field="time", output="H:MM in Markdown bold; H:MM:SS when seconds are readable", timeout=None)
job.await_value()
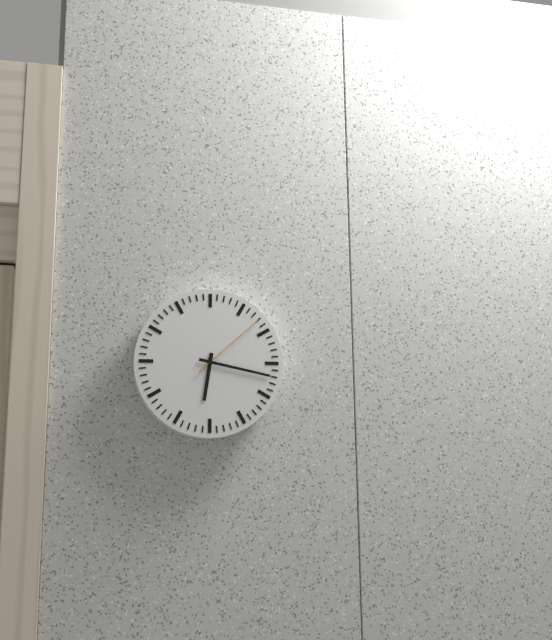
**6:17:08**
